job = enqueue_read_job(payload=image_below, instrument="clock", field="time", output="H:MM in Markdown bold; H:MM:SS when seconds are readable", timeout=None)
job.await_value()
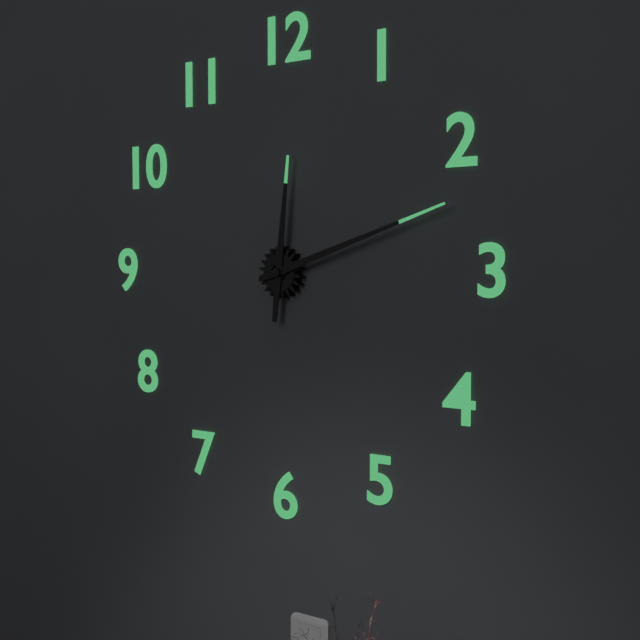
**12:12**
